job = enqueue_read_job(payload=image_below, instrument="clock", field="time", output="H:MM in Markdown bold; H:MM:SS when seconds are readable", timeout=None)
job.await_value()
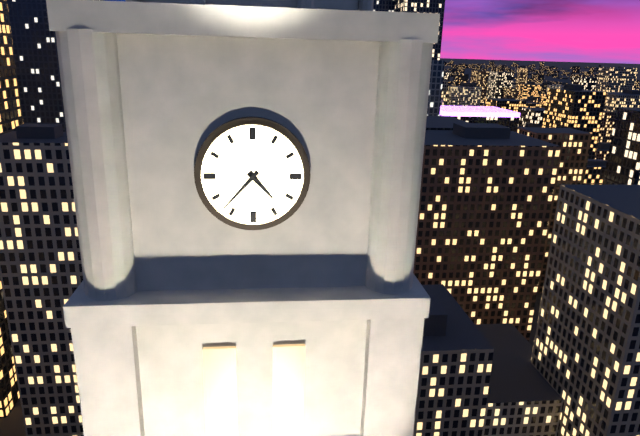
**4:37**
